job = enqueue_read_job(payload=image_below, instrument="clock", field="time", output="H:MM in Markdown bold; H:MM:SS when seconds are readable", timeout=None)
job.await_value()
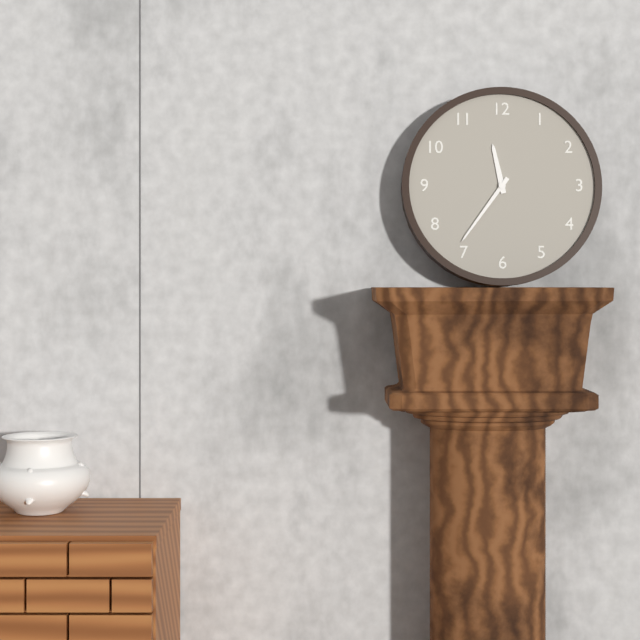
**11:36**
